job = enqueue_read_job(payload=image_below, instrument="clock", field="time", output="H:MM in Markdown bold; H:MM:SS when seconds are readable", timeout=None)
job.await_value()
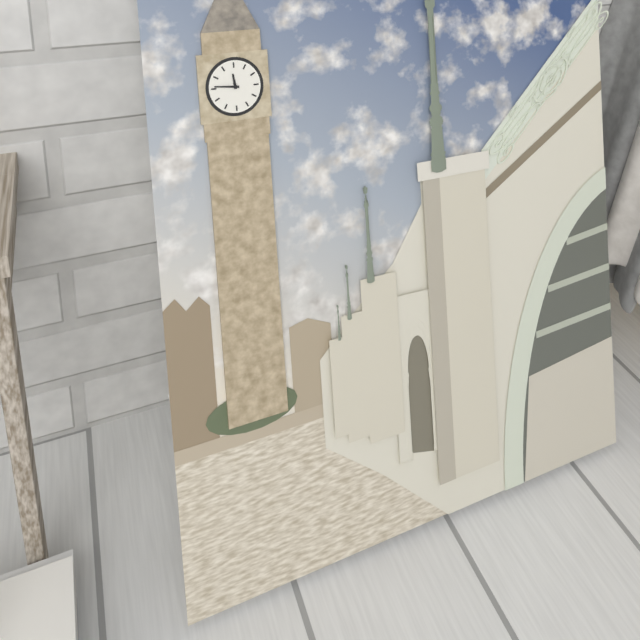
**11:46**
